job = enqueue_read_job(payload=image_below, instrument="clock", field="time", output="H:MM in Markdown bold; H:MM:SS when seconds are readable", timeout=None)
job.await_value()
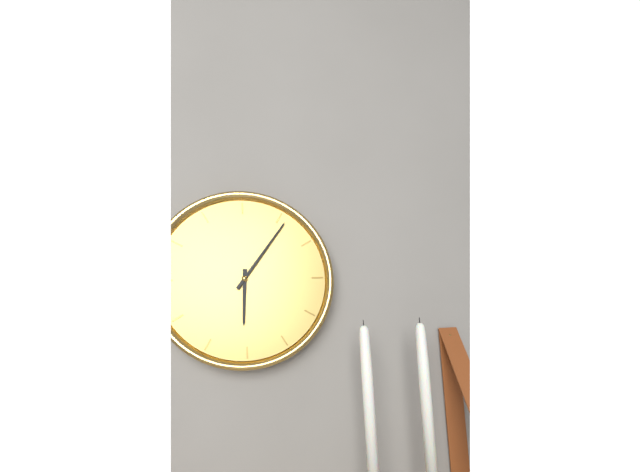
**6:06**
